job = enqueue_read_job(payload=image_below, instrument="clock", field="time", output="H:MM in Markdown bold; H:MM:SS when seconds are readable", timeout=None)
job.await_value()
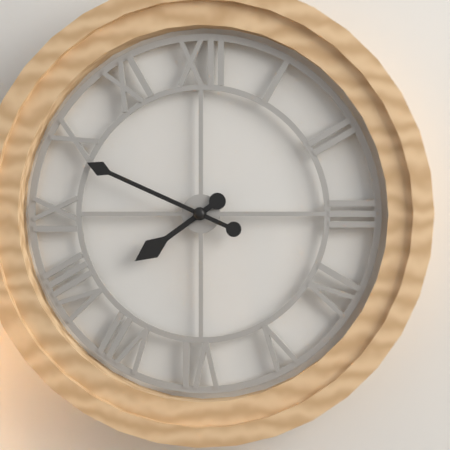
**7:49**
